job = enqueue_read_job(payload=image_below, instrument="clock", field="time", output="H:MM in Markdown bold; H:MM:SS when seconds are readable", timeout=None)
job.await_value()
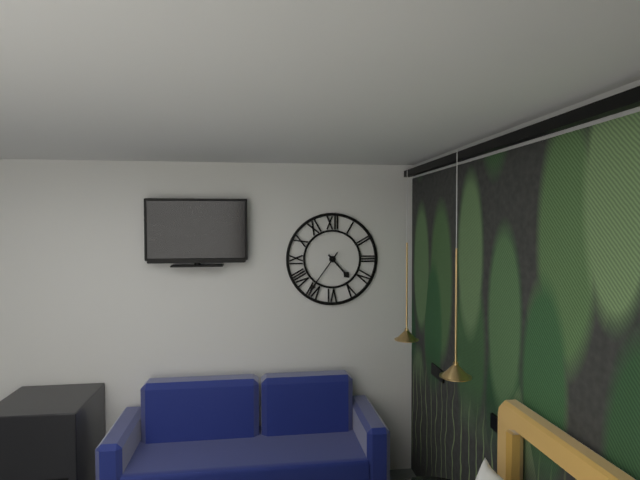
**4:36**
